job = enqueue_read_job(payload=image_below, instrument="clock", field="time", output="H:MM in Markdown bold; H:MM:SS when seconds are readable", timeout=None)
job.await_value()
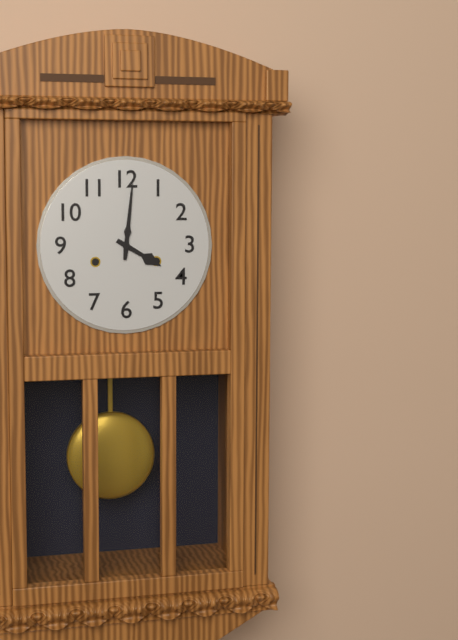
**4:01**
